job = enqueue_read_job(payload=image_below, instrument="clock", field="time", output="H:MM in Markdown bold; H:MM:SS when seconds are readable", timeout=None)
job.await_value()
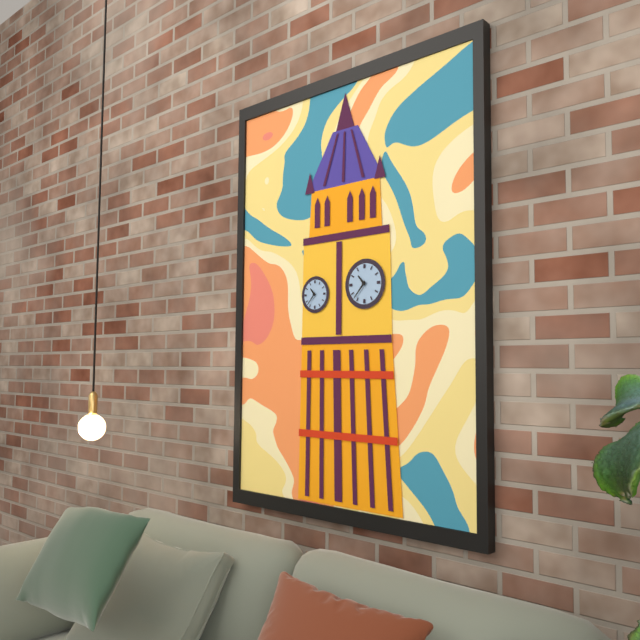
**10:37**
